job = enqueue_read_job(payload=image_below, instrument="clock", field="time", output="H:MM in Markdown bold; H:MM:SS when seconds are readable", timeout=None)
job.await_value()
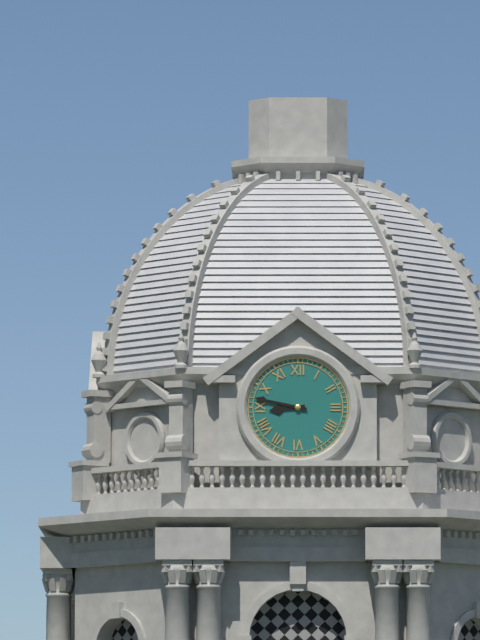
**8:47**
